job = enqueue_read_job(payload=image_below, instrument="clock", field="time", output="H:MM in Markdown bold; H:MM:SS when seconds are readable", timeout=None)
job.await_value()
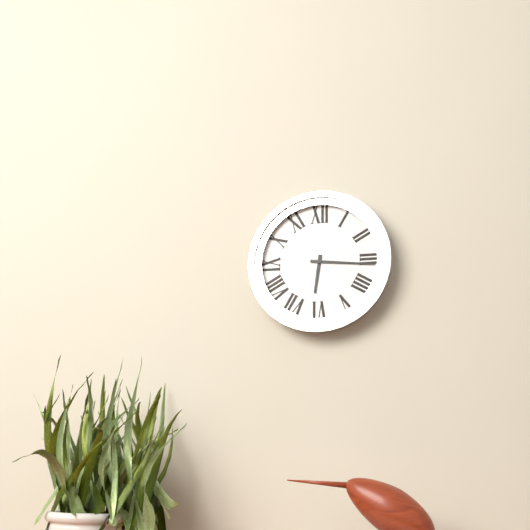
**6:16**
